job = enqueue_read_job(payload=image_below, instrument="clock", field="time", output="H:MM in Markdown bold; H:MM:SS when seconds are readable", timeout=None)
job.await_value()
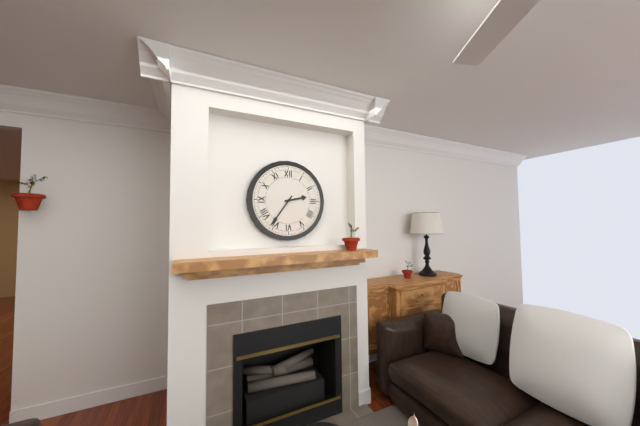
**2:36**
